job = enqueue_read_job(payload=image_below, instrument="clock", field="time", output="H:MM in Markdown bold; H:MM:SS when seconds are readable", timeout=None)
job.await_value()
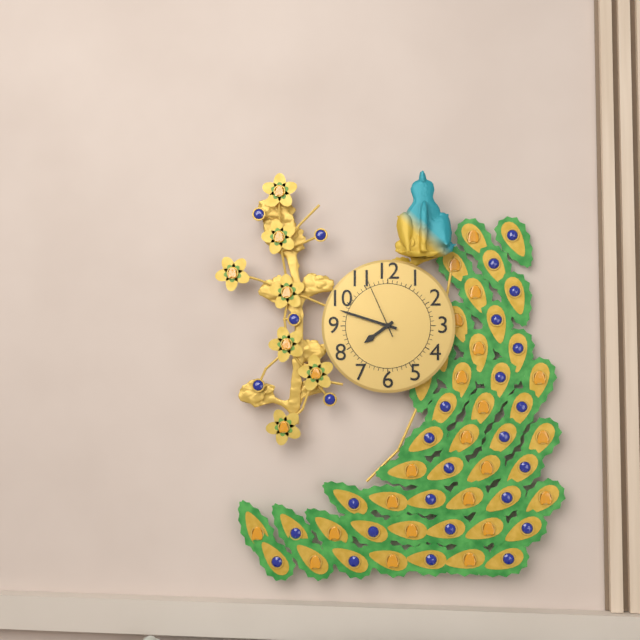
**7:48:56**
